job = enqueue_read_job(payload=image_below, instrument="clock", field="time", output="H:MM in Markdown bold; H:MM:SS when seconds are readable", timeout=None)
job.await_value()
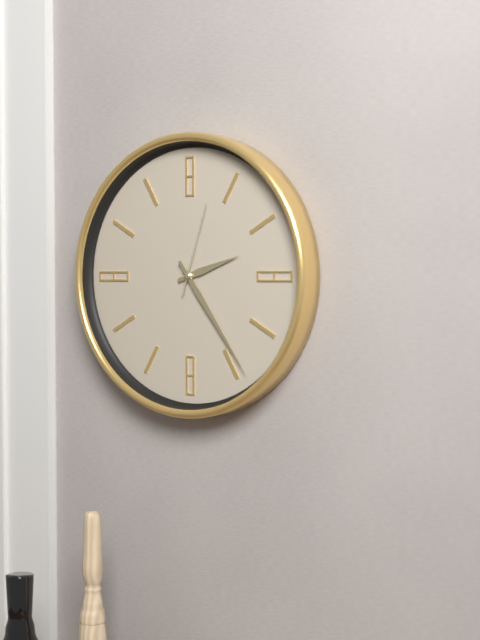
**2:24:03**
